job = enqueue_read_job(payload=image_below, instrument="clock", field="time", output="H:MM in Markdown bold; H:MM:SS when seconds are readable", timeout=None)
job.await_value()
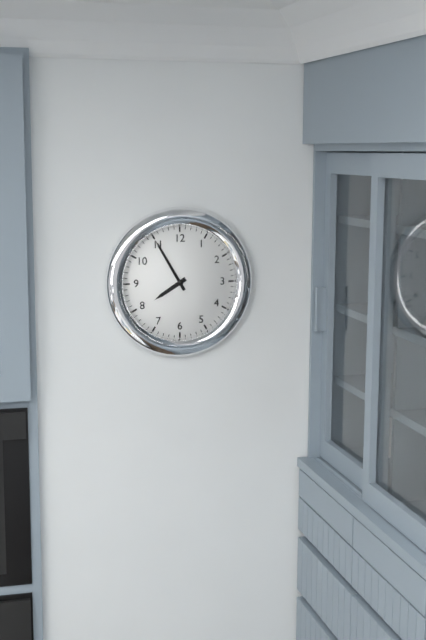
**7:55**
